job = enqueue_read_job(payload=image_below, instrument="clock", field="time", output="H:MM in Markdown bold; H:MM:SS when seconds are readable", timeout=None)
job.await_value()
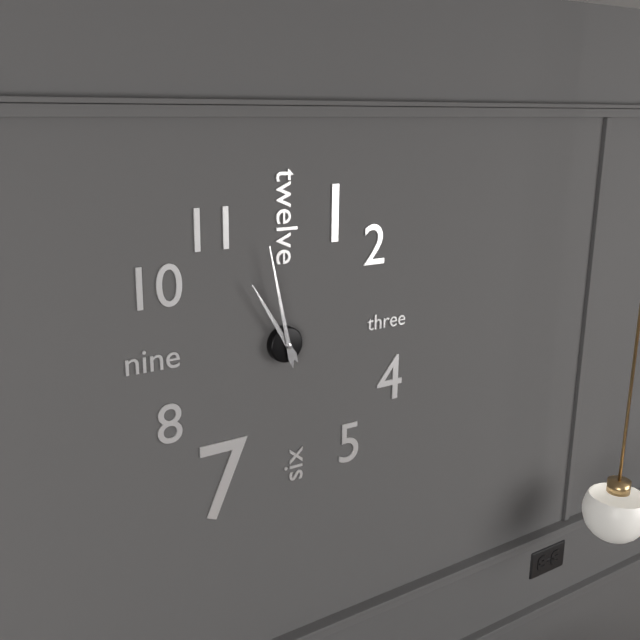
**10:58**
